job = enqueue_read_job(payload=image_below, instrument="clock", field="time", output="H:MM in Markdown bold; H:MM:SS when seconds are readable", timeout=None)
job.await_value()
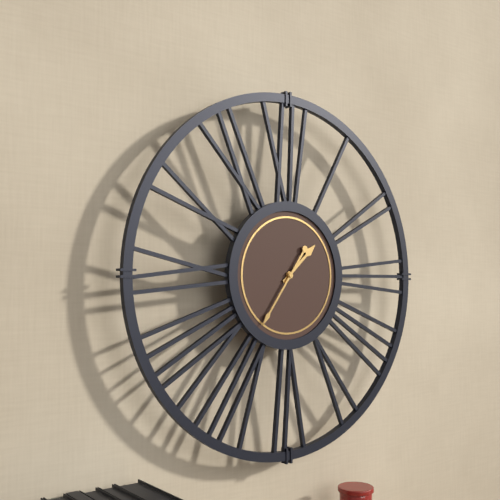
**1:36**
